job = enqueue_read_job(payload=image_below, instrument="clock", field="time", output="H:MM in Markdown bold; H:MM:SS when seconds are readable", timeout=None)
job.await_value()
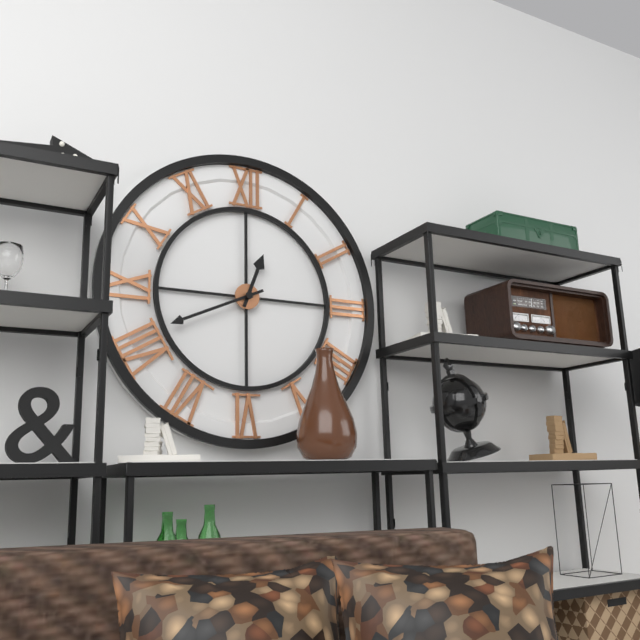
**12:41**
